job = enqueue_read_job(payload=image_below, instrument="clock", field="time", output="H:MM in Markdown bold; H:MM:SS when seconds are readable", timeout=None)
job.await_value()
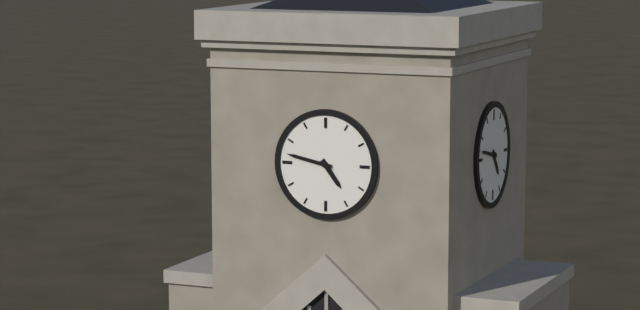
**4:47**
